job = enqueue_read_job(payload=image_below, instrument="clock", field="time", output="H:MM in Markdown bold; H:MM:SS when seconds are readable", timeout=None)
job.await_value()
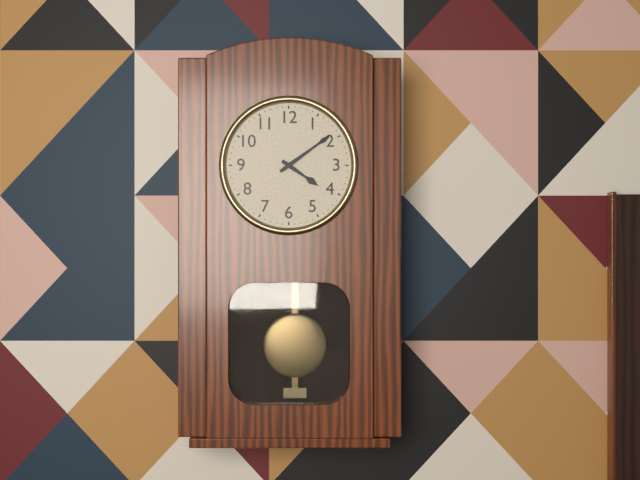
**4:09**
